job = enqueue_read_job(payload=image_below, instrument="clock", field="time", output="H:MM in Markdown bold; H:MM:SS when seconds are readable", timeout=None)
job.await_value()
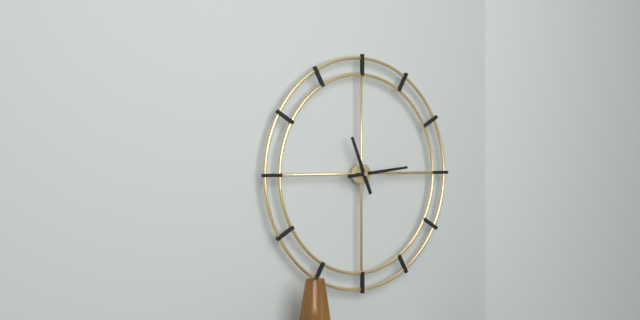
**11:14**
